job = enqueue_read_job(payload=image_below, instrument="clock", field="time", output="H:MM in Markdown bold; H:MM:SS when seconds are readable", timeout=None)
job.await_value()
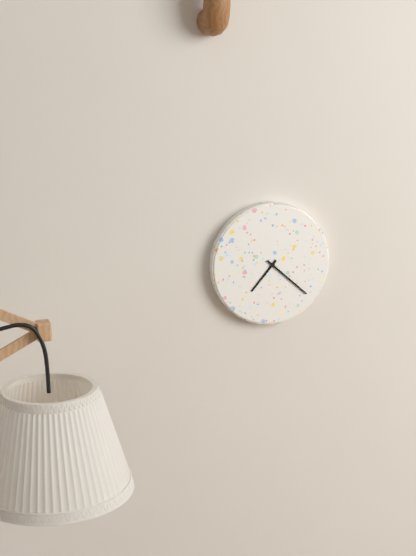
**7:22**
